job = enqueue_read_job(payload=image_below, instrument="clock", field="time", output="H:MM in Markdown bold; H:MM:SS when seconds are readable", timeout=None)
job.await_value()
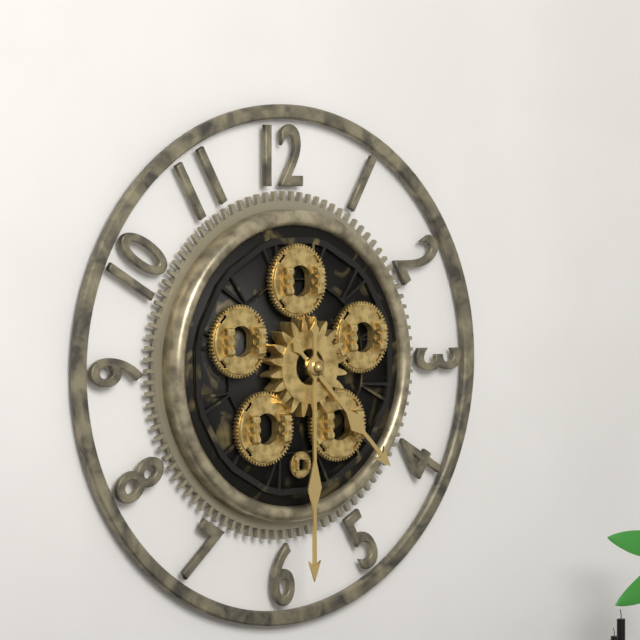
**4:30**
